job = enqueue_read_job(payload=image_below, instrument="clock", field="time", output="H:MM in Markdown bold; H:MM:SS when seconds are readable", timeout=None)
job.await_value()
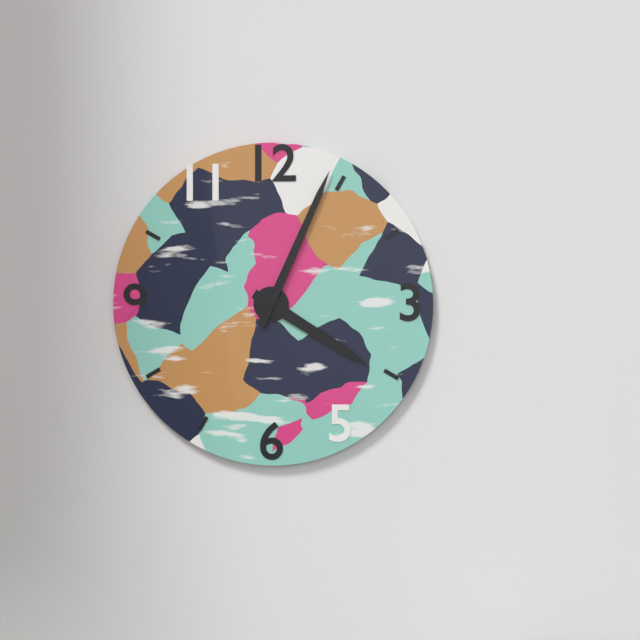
**4:04**
